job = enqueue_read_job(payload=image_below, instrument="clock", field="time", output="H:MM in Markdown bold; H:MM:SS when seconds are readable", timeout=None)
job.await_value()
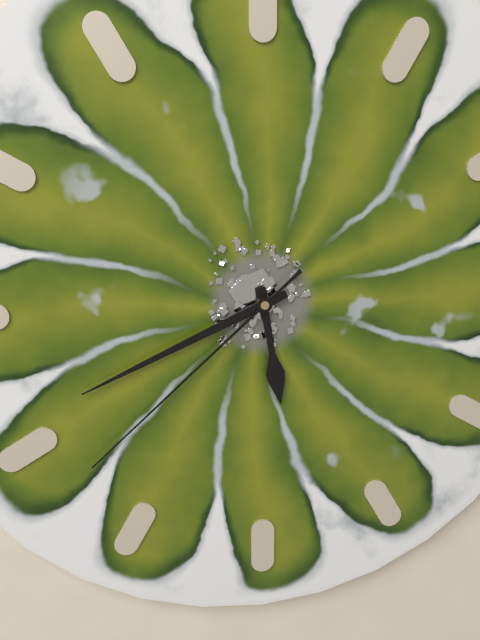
**5:41:38**
